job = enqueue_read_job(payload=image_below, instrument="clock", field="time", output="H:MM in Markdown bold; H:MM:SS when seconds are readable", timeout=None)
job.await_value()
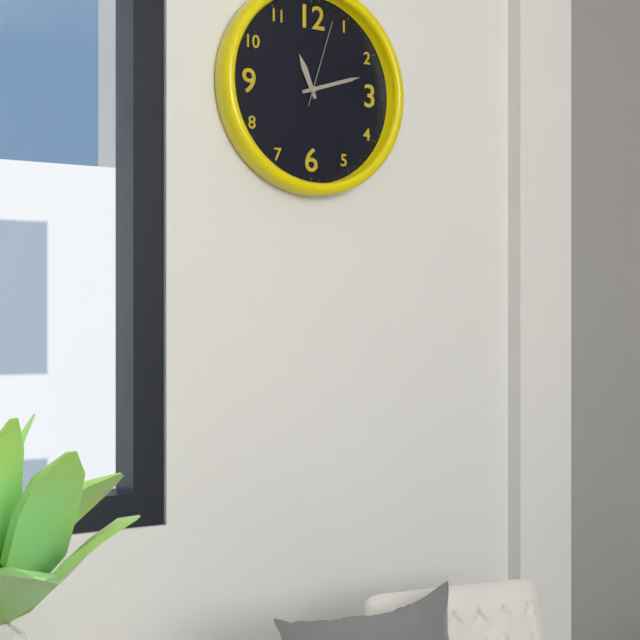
**11:12:03**
